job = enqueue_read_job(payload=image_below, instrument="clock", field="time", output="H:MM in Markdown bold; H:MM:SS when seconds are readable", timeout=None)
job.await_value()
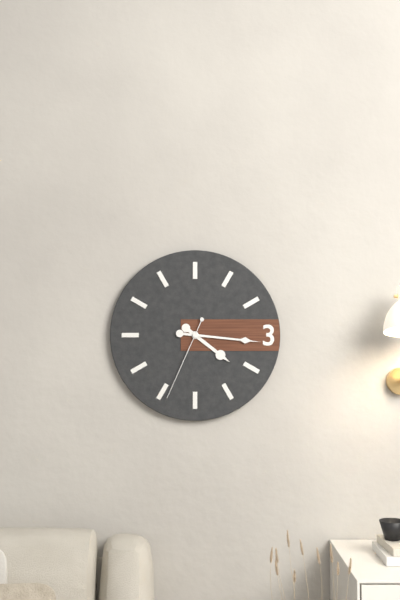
**4:16:34**
